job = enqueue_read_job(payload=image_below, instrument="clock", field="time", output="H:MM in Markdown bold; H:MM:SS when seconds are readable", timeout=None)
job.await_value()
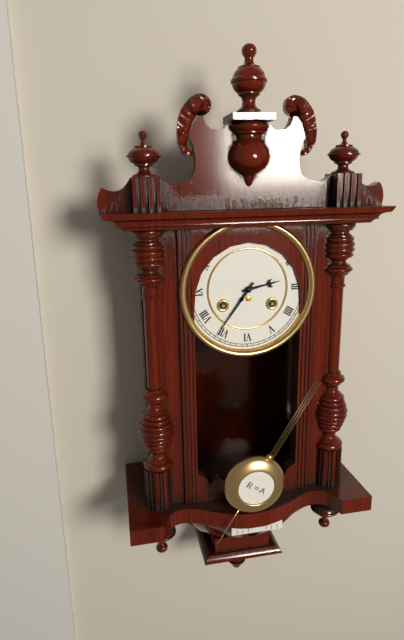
**2:36**
